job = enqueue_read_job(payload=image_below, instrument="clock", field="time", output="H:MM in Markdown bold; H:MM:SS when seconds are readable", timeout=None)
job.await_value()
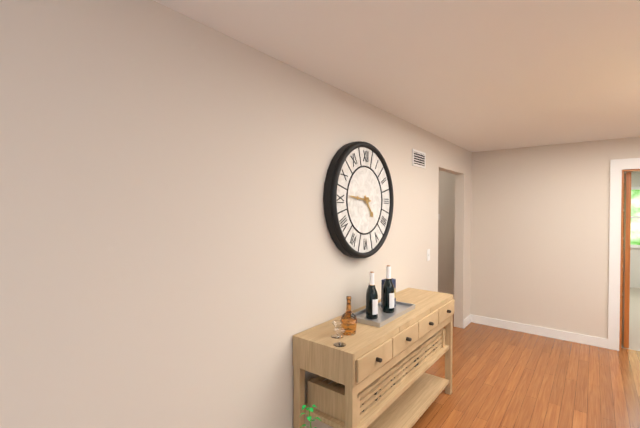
**4:46**
